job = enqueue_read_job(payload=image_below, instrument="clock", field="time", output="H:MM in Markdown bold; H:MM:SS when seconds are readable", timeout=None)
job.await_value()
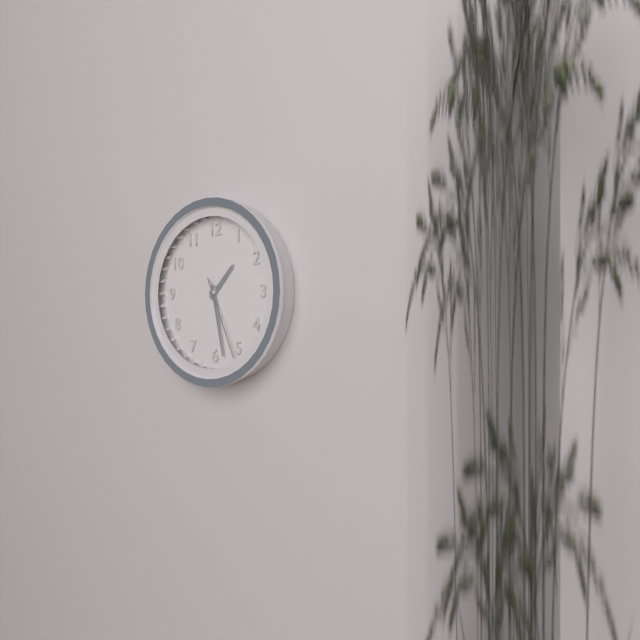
**1:28:26**
